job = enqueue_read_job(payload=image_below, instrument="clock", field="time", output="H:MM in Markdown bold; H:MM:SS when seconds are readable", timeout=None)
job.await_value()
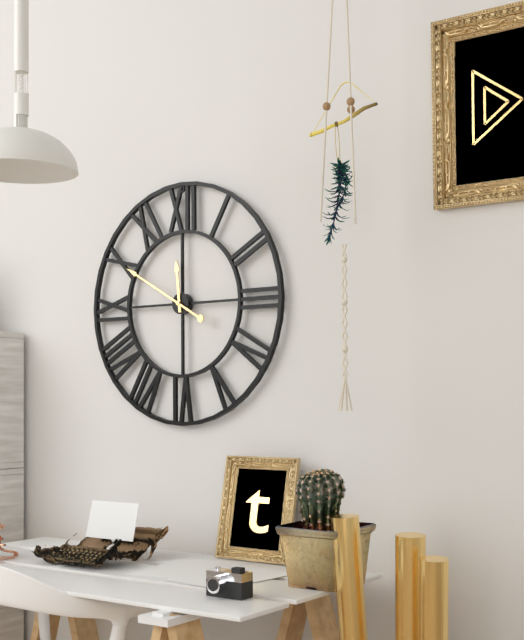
**11:50**
